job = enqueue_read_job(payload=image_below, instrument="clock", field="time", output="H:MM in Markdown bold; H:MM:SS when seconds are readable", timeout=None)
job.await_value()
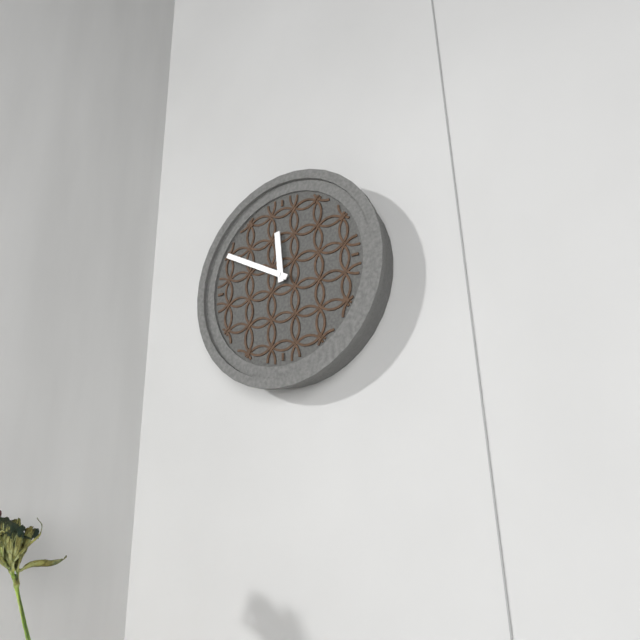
**11:50**
